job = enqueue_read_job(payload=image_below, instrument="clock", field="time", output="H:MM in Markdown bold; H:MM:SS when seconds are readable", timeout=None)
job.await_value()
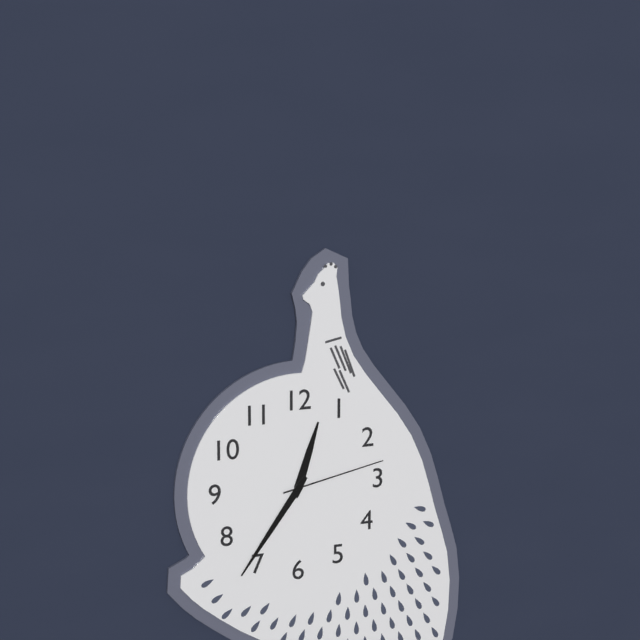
**12:36:13**
